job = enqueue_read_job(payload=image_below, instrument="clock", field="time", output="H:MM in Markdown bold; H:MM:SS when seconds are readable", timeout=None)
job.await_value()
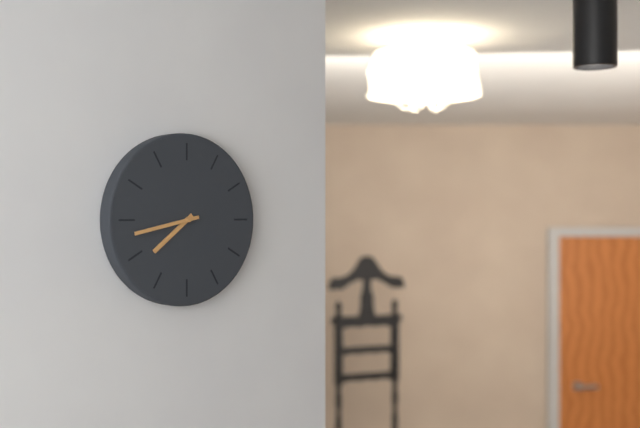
**7:43**
